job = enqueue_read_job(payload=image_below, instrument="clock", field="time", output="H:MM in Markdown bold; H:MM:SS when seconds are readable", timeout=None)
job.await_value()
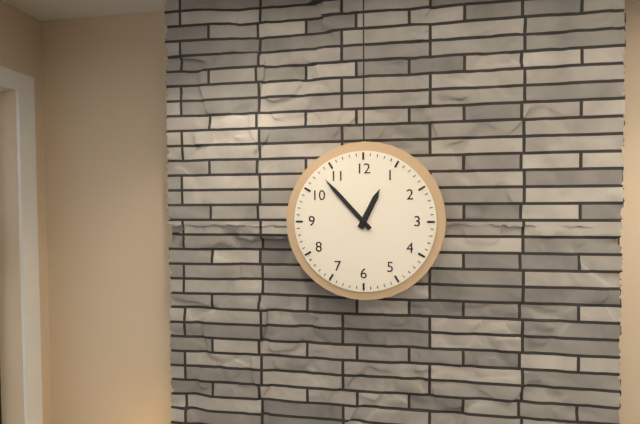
**12:53**
